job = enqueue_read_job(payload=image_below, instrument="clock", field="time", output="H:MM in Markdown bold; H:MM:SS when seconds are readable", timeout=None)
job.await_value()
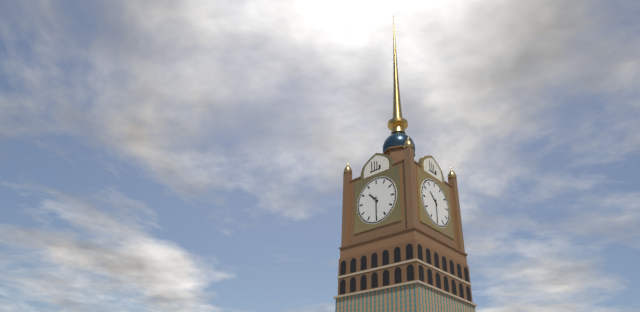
**10:30**
